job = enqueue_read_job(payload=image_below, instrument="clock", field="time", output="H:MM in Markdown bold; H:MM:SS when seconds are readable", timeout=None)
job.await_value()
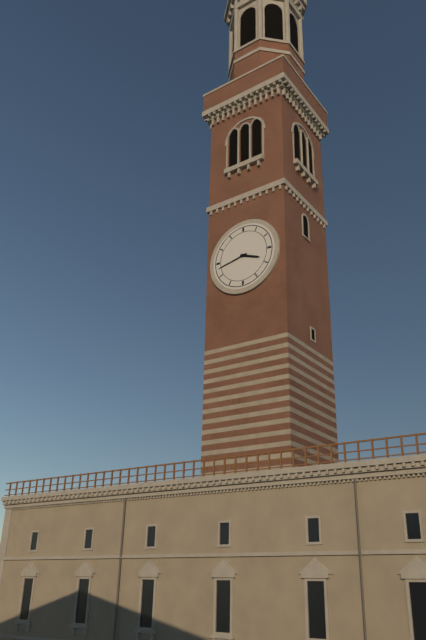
**3:43**
